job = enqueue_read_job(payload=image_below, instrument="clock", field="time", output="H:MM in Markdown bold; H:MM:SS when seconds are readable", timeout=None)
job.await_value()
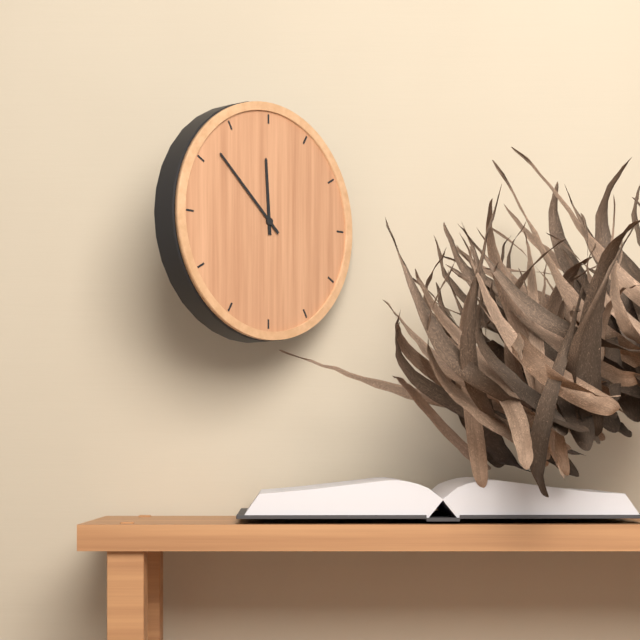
**11:52**
